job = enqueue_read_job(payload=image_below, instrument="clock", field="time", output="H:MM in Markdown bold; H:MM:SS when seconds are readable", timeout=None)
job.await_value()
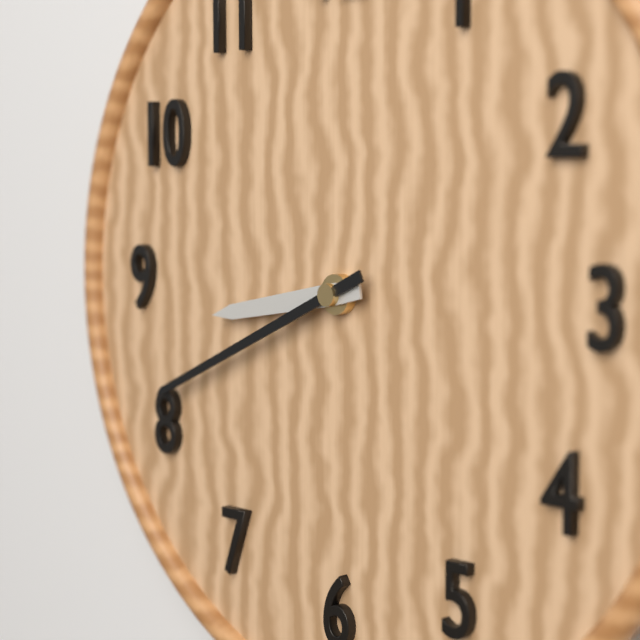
**8:41**
